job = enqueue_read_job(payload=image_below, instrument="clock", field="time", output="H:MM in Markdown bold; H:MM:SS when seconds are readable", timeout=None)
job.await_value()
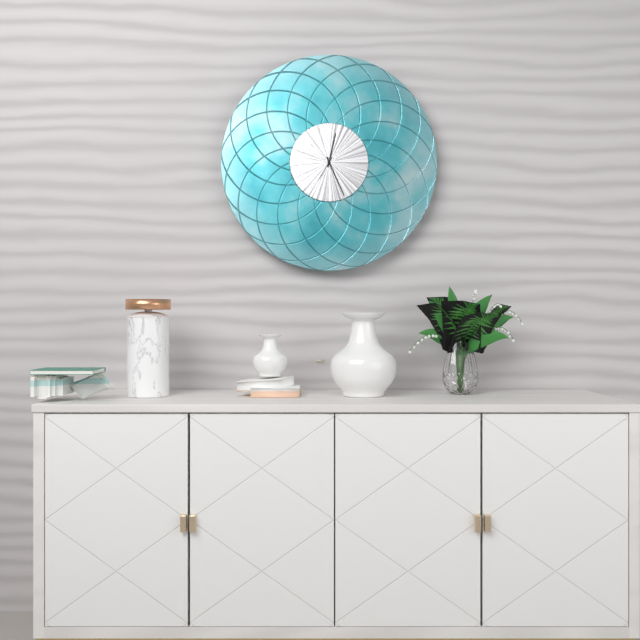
**12:26**
